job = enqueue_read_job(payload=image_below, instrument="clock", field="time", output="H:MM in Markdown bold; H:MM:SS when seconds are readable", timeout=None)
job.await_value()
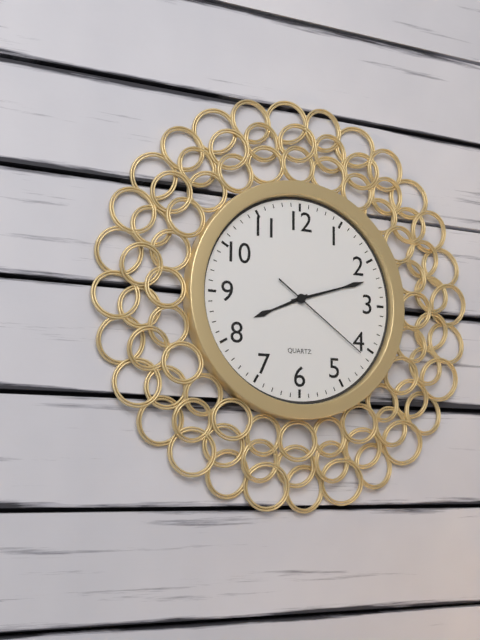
**8:12:21**
